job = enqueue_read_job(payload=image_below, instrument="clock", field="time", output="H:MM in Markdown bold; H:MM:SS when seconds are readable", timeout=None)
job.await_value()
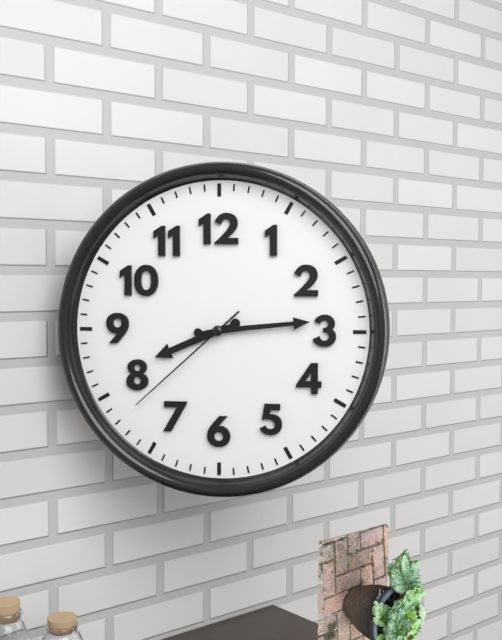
**8:14:38**
